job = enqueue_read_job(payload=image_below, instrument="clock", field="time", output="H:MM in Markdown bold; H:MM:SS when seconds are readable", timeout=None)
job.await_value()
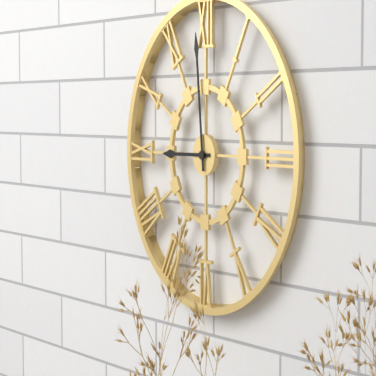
**8:59**
